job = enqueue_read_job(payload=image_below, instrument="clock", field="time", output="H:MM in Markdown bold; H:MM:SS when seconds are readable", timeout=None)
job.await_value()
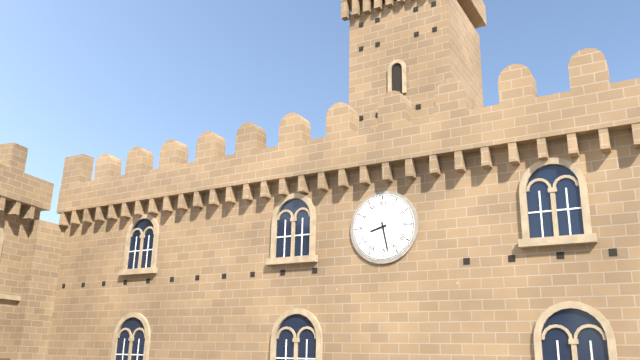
**8:28**
